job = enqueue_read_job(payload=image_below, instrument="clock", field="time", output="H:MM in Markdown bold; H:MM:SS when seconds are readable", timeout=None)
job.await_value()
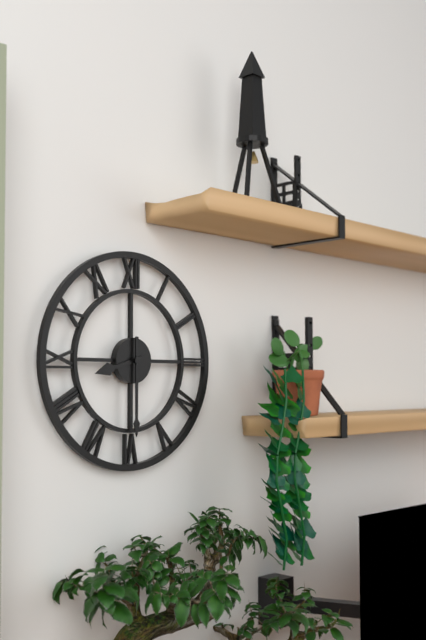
**8:30**
